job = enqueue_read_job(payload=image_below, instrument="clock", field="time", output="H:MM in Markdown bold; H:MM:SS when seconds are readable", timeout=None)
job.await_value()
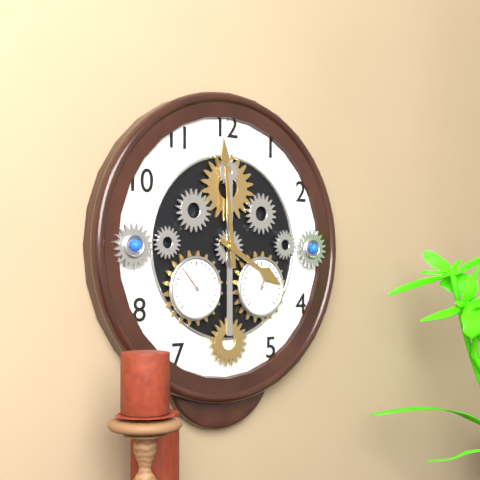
**3:59**
